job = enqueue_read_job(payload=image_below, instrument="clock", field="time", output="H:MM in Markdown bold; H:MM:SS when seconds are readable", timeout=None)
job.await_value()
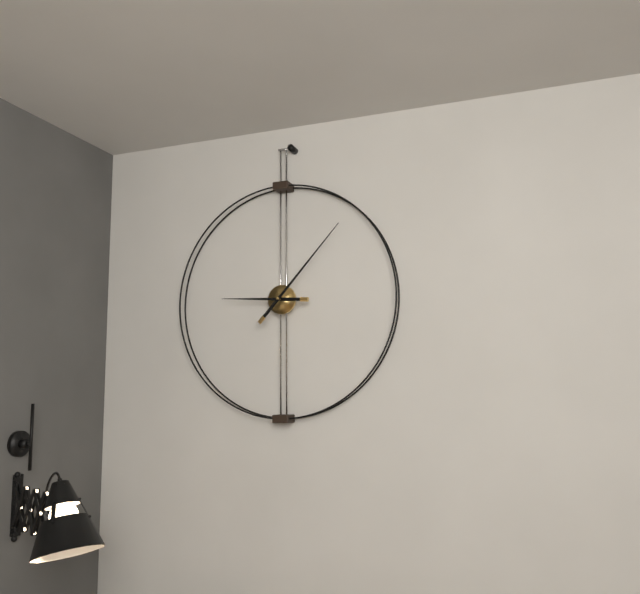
**9:07**
